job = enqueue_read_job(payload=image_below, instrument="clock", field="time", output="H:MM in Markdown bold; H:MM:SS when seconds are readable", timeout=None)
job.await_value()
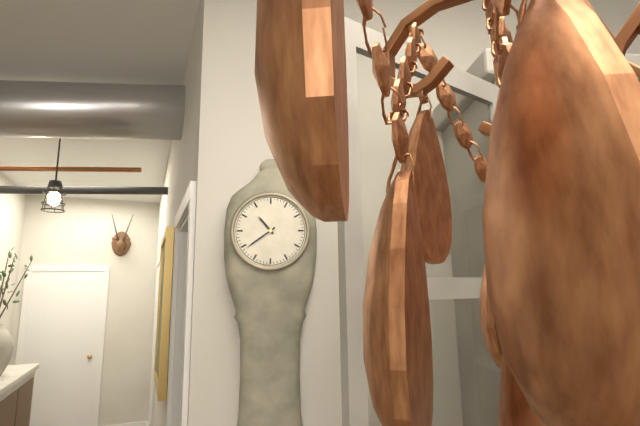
**10:39**
